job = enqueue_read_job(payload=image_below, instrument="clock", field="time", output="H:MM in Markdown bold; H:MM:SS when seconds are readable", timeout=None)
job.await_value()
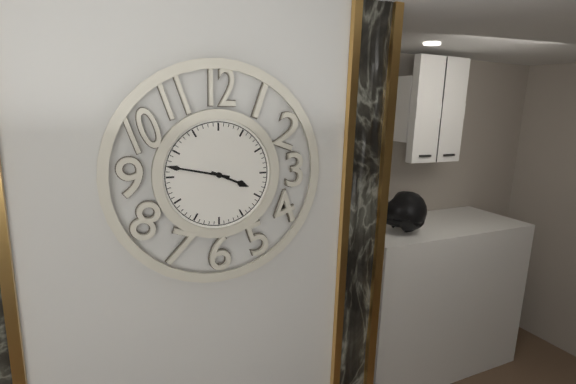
**3:47**
